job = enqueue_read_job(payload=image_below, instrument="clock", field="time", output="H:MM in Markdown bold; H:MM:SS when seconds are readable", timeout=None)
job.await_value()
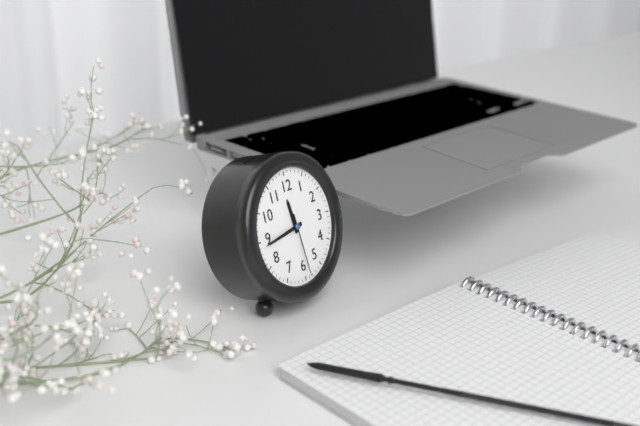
**11:44:29**
